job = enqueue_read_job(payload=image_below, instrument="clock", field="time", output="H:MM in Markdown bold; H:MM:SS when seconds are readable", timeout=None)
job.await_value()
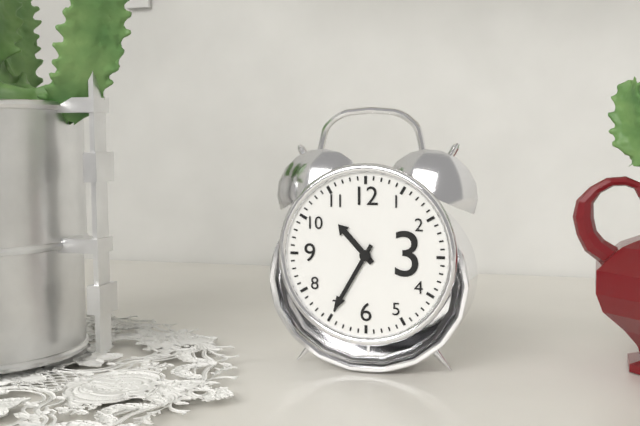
**10:35**
